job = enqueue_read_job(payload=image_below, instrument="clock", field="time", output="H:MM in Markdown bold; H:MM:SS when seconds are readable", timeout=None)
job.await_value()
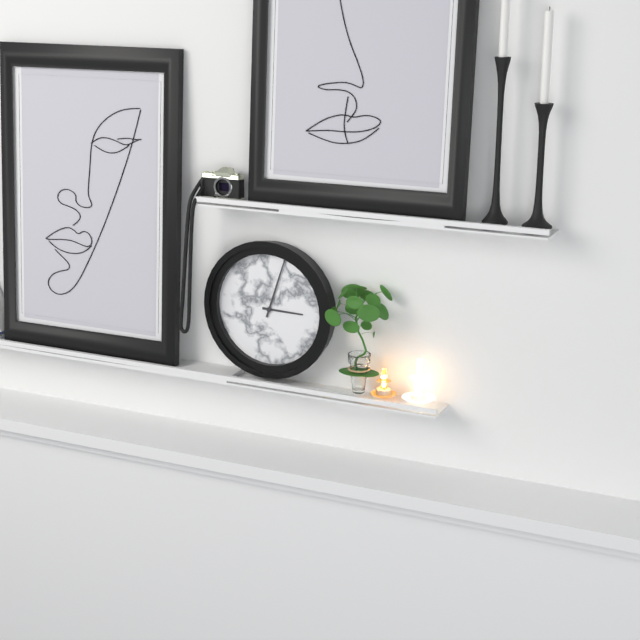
**3:03**
